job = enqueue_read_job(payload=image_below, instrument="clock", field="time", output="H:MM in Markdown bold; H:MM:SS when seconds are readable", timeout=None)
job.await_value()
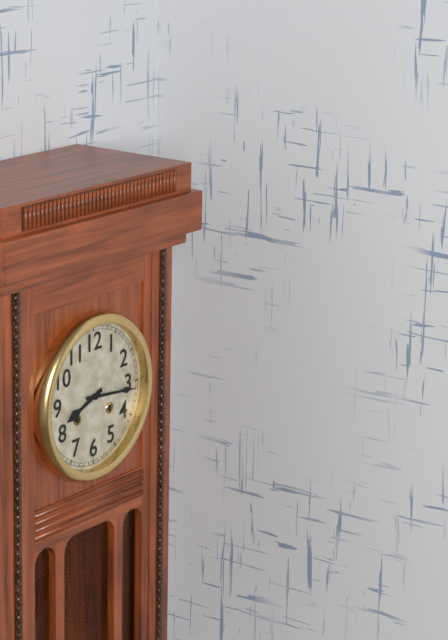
**8:16**
